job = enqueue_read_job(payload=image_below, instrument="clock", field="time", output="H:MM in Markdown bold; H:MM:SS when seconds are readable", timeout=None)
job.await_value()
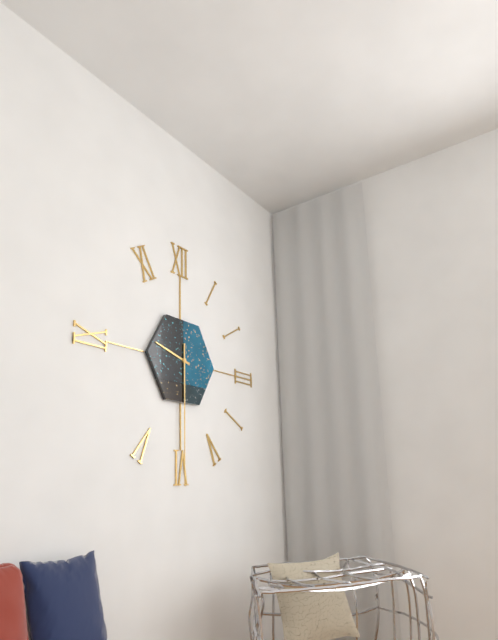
**9:30**
